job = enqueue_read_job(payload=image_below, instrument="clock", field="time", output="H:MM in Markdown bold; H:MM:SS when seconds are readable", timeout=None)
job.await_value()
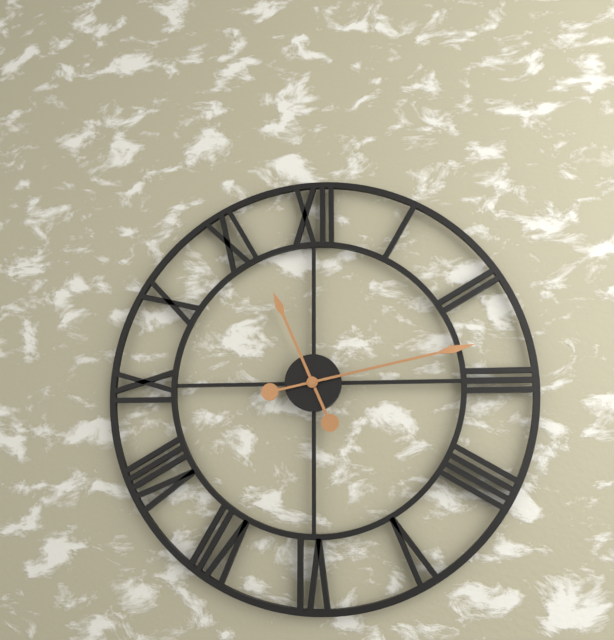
**11:13**
